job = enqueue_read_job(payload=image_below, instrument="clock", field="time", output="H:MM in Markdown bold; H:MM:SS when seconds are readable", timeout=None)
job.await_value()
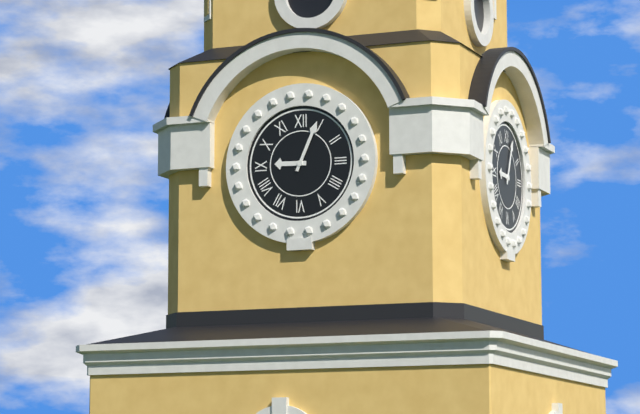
**9:04**
